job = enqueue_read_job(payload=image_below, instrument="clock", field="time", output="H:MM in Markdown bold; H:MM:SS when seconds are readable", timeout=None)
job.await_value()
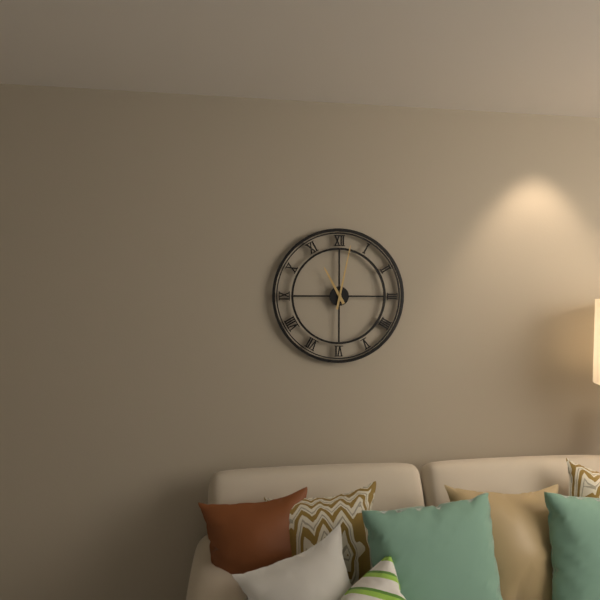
**11:02**
